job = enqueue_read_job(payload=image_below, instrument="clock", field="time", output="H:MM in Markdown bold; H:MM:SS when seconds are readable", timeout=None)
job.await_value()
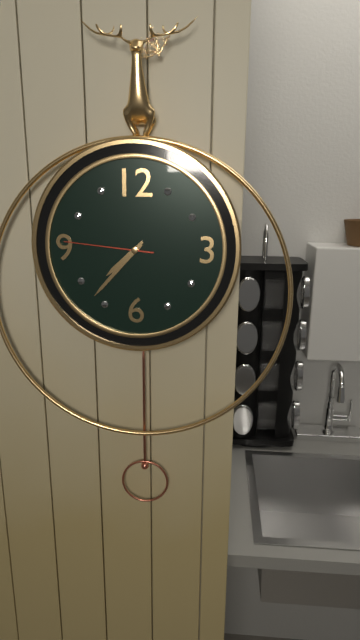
**7:37:46**
